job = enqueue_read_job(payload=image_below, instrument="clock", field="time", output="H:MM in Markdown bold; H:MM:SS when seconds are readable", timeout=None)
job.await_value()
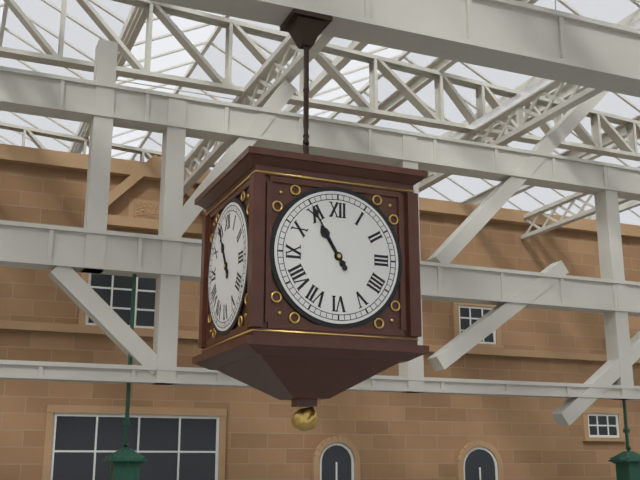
**10:55**
